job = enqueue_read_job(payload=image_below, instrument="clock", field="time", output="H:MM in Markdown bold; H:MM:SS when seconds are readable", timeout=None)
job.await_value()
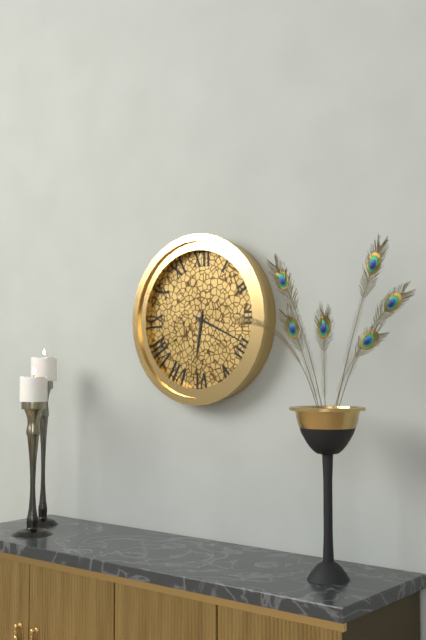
**6:19**
